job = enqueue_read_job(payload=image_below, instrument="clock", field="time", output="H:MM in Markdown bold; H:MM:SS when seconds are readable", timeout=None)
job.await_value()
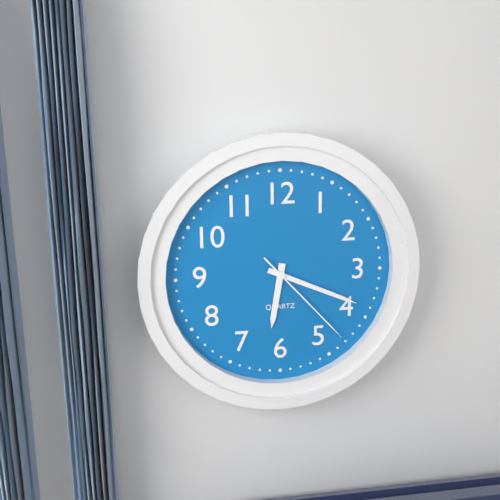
**6:19:23**
